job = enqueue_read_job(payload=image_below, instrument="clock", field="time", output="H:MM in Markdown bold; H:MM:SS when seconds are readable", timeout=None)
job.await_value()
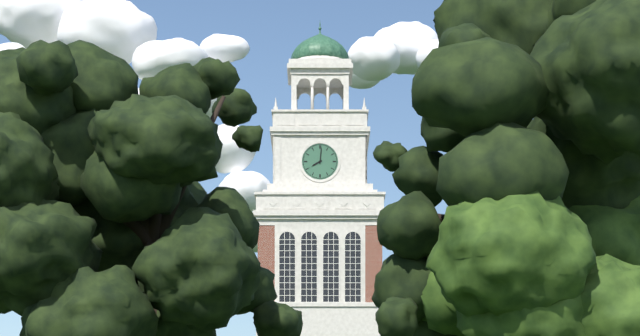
**8:01**
